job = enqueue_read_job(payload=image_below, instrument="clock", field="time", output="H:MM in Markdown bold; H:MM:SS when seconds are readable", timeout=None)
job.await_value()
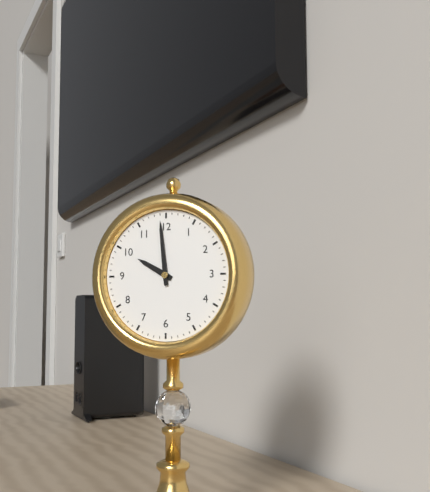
**9:59**
